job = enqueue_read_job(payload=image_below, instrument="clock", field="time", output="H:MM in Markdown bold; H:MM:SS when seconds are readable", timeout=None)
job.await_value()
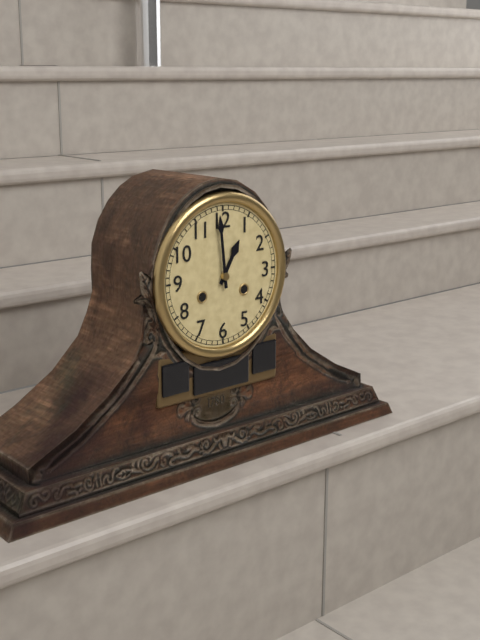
**12:59**
